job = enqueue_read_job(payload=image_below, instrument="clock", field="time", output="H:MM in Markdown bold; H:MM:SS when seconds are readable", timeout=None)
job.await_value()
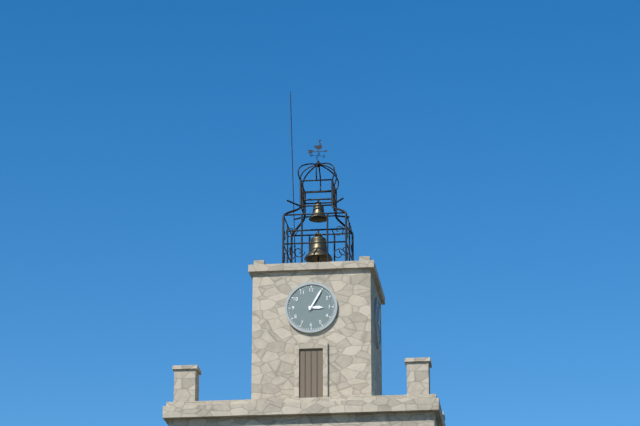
**3:05**
